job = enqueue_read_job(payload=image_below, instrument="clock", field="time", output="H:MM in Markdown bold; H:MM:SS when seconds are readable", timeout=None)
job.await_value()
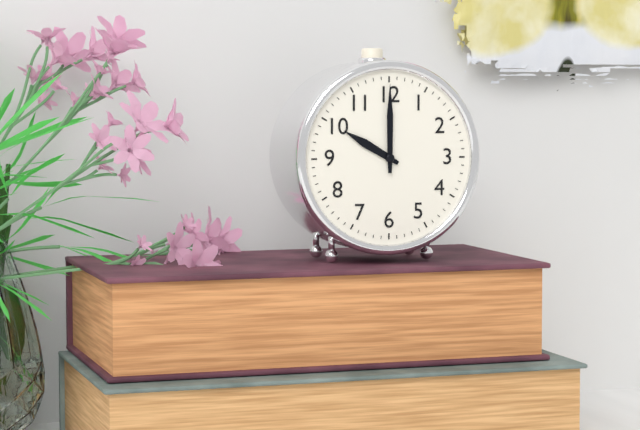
**10:00**
